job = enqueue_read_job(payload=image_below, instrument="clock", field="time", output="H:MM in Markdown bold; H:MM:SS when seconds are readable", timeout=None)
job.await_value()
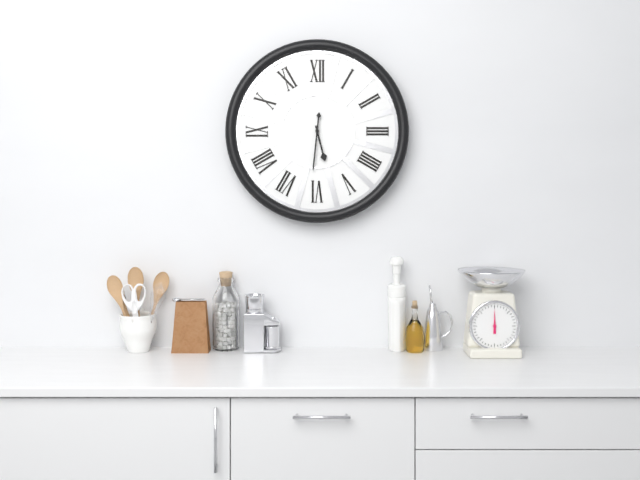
**5:31**
